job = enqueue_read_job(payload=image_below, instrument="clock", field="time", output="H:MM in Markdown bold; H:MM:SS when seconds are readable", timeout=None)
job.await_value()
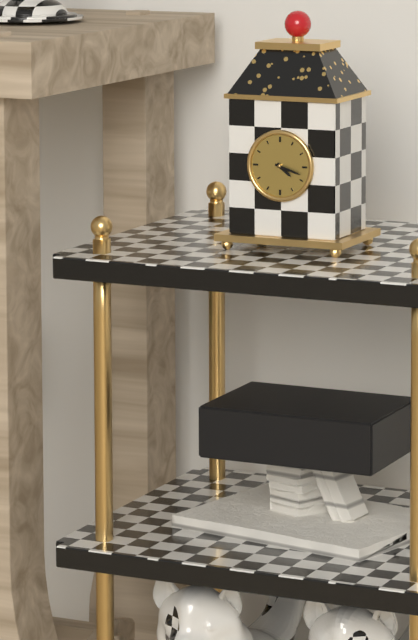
**4:18**
